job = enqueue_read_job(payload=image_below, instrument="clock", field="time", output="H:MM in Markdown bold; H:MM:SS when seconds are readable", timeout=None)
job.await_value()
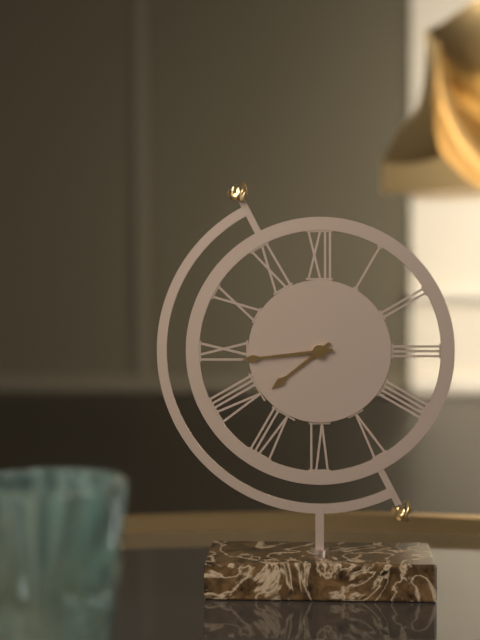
**7:44**
